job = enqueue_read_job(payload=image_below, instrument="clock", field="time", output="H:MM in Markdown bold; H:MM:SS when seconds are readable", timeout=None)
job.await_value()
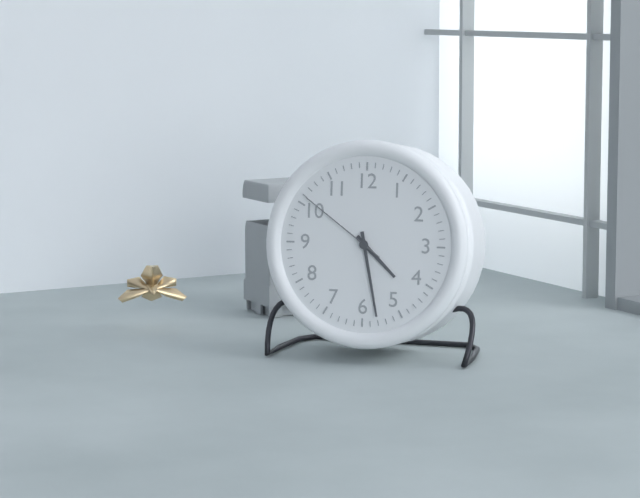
**4:28:51**
